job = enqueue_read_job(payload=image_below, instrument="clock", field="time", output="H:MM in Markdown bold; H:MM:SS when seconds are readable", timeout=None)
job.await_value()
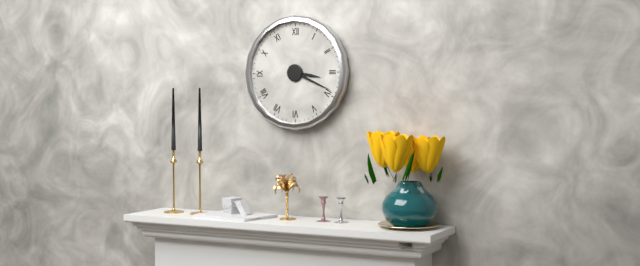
**3:19**
